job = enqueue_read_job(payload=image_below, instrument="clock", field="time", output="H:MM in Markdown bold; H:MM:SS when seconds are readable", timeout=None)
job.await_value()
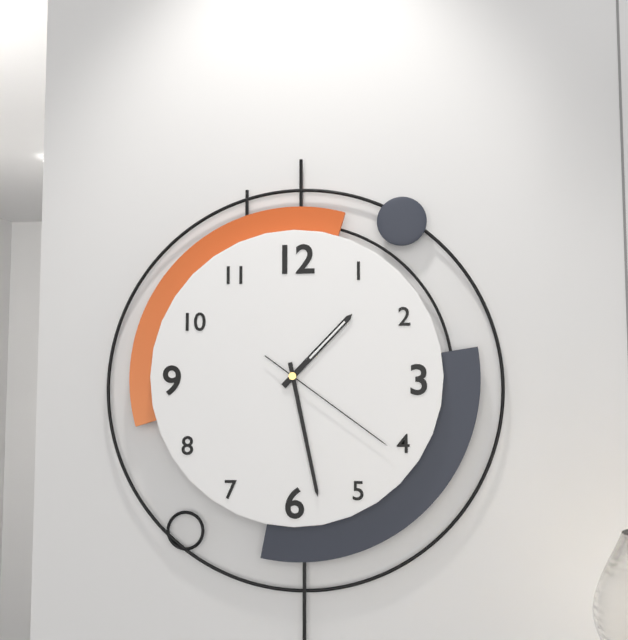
**1:28:21**
